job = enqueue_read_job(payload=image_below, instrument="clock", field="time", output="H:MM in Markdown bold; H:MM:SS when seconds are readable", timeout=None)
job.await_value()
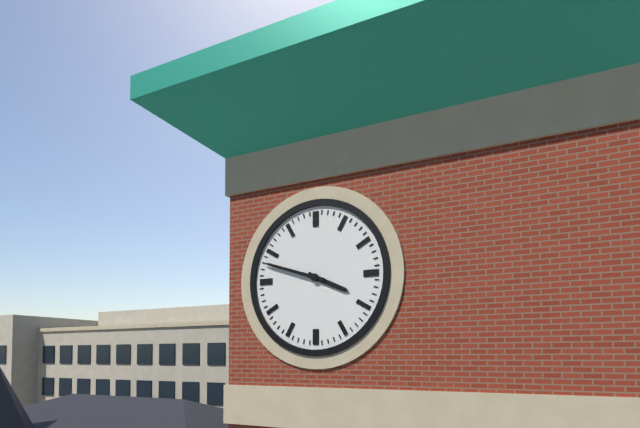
**3:48**
